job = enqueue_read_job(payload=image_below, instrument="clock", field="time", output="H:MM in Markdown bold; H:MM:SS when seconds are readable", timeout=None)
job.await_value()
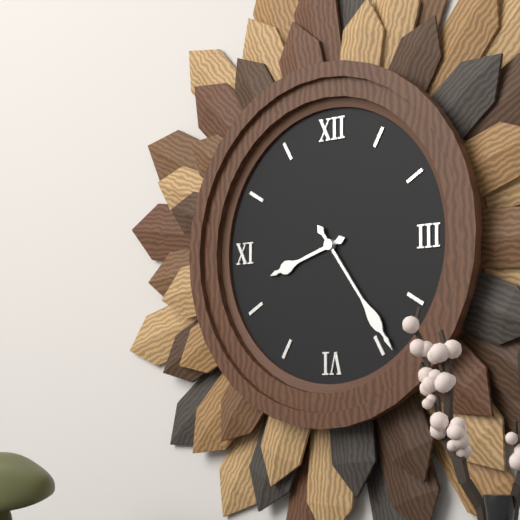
**8:24**
